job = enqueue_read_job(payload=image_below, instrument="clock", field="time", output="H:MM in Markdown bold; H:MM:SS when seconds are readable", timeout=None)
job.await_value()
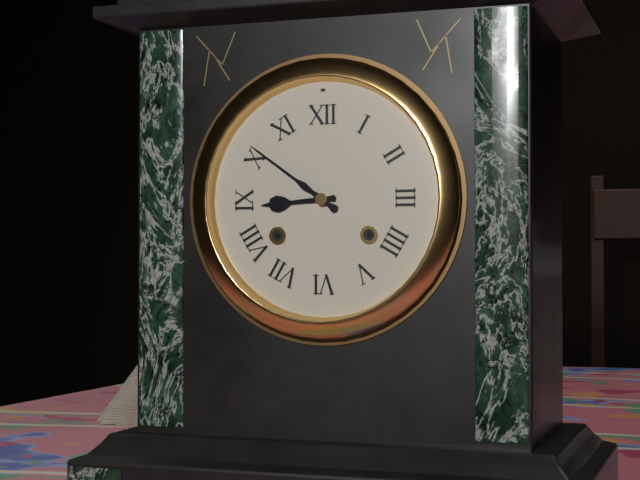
**8:51**
